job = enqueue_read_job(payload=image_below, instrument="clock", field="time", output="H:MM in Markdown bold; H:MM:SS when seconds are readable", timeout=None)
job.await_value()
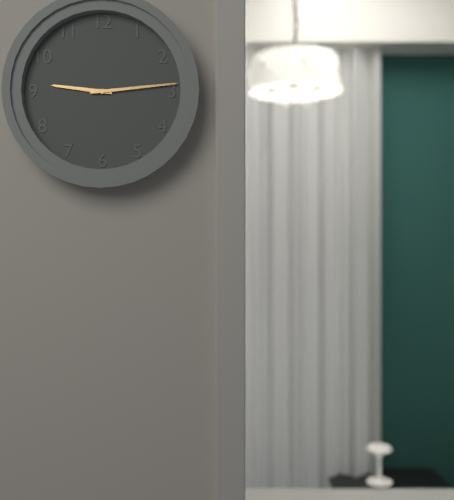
**9:14**
